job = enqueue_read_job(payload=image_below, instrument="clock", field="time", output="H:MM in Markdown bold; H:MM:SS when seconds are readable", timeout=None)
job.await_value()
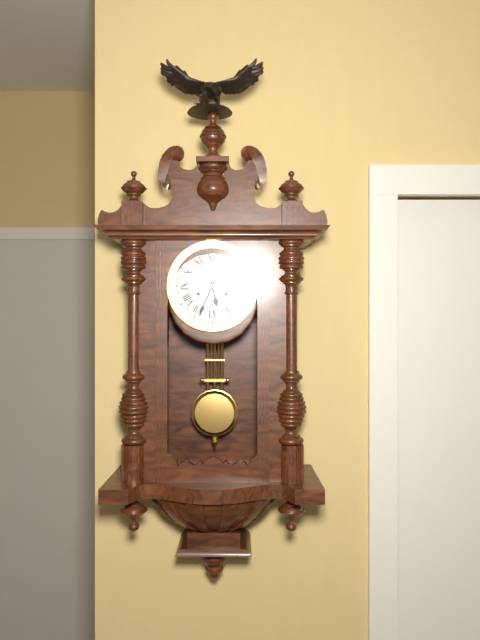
**5:34**
